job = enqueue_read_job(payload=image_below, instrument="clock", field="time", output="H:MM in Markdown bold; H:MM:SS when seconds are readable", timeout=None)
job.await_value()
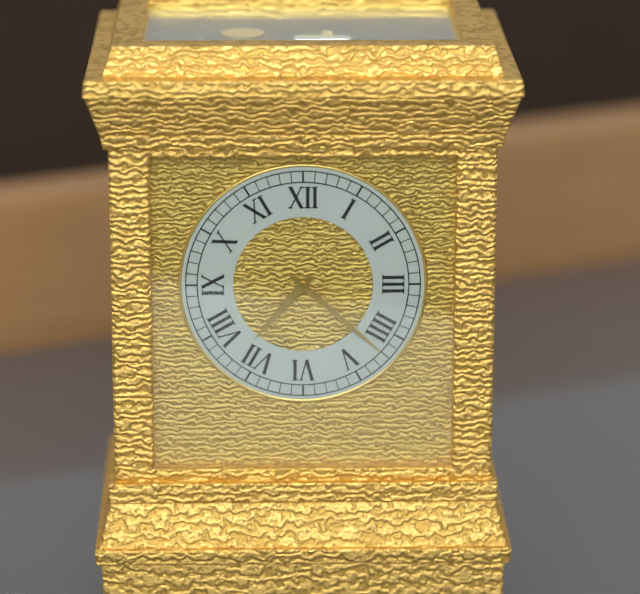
**7:22**
